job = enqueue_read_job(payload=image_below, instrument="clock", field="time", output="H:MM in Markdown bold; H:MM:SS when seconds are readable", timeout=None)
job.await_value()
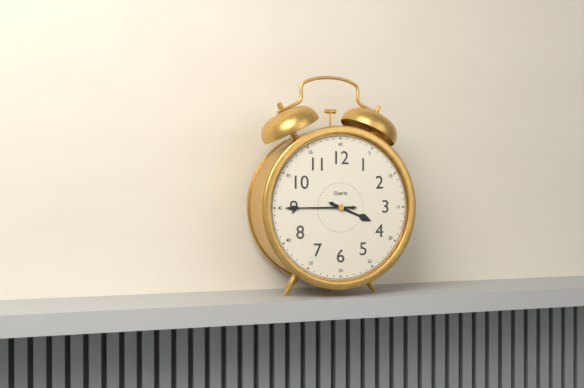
**3:45**
